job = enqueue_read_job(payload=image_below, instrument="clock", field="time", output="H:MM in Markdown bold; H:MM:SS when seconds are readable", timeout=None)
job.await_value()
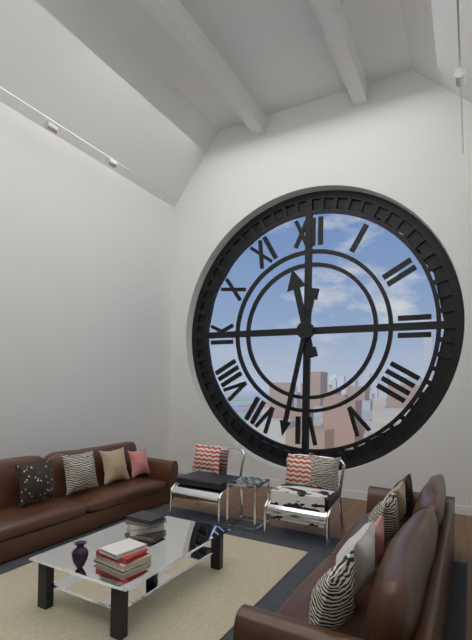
**11:32**
